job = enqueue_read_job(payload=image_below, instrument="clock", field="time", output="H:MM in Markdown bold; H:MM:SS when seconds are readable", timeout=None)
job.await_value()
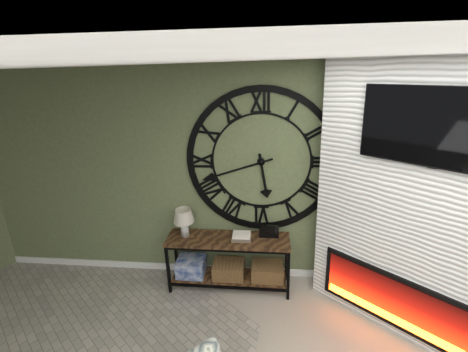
**5:42**
